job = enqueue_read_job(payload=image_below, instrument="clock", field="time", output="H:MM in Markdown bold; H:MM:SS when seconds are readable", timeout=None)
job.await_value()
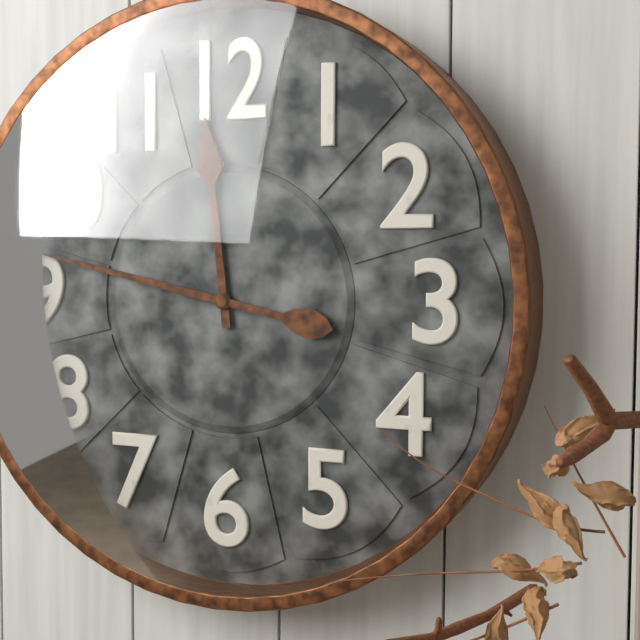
**11:47**
